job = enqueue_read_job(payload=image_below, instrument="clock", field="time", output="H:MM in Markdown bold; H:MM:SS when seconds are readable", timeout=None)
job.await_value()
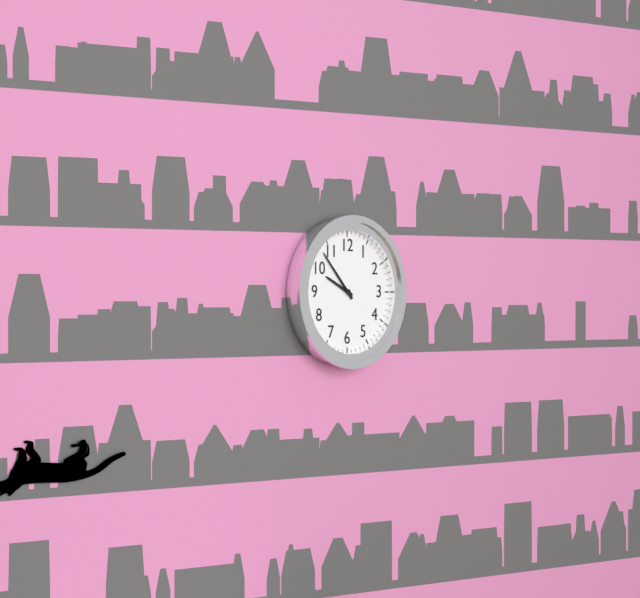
**9:53**
